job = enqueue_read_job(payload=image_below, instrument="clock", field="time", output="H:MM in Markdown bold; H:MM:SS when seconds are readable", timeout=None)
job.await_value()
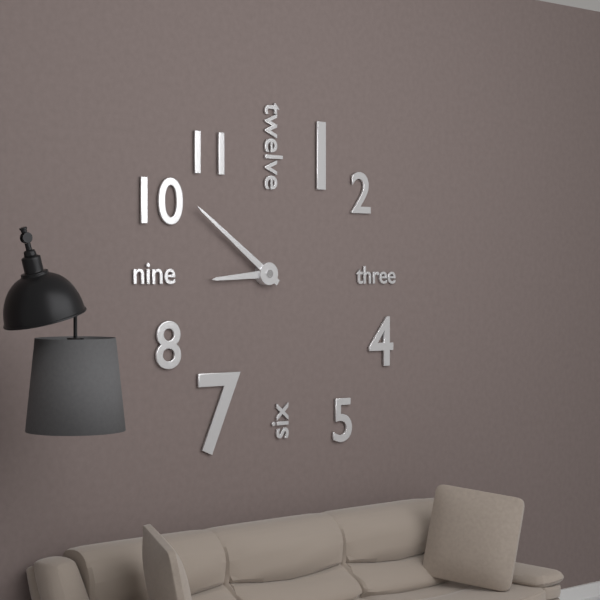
**8:51**
